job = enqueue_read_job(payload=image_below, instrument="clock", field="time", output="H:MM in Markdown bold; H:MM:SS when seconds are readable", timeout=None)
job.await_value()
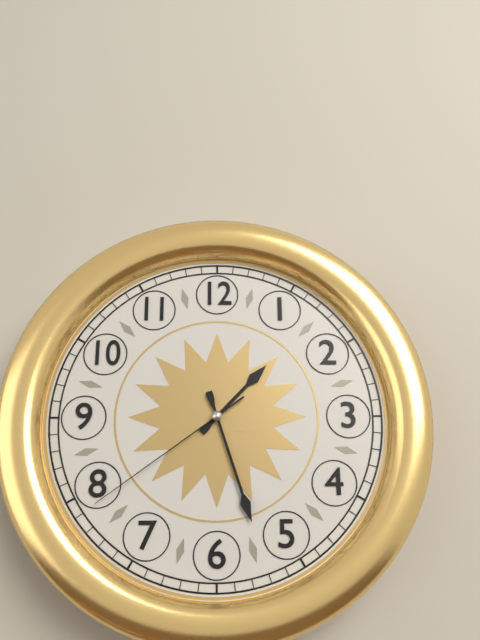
**1:27:39**
